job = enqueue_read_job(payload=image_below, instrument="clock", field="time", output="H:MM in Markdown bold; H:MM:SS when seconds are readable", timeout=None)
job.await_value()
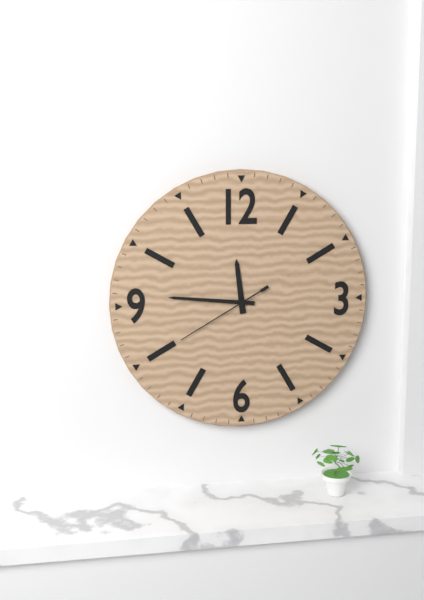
**11:46:40**
